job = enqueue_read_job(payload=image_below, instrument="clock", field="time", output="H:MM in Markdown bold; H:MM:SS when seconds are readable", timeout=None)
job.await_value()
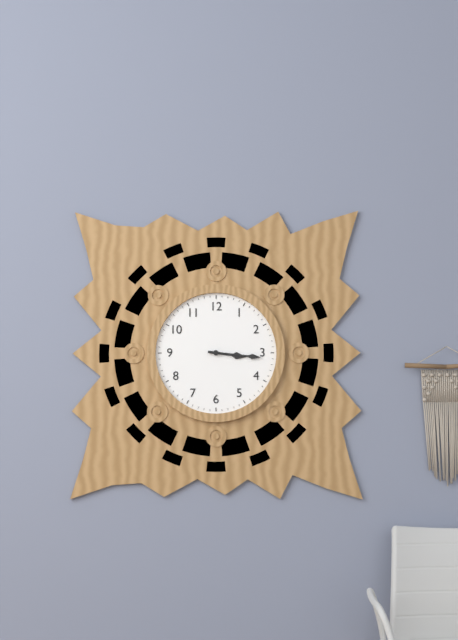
**3:16**
